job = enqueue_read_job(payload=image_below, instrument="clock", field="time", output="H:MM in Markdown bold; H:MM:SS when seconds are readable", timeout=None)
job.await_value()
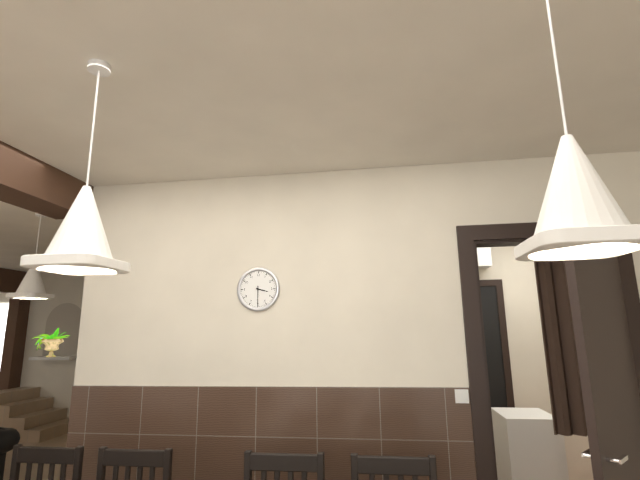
**3:30**
